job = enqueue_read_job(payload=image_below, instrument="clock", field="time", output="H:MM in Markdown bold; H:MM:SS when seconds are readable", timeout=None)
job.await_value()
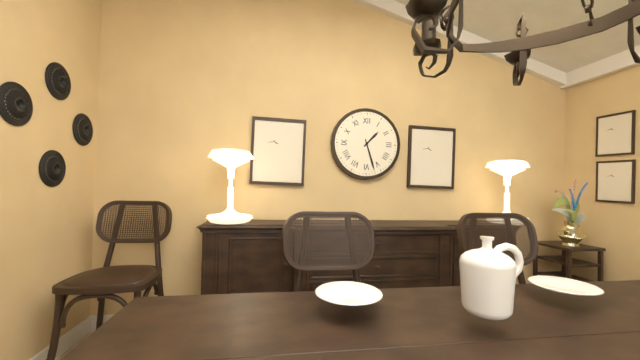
**1:27**
